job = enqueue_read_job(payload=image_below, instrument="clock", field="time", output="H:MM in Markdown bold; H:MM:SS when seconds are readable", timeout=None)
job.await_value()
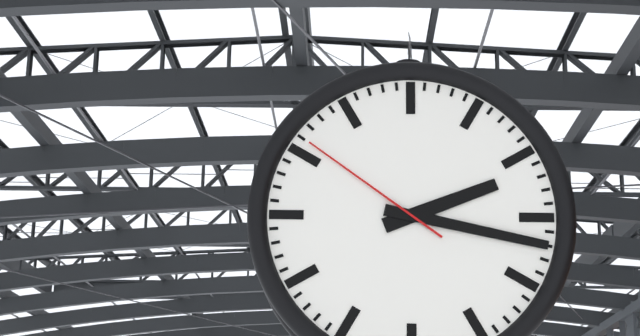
**2:17:51**
